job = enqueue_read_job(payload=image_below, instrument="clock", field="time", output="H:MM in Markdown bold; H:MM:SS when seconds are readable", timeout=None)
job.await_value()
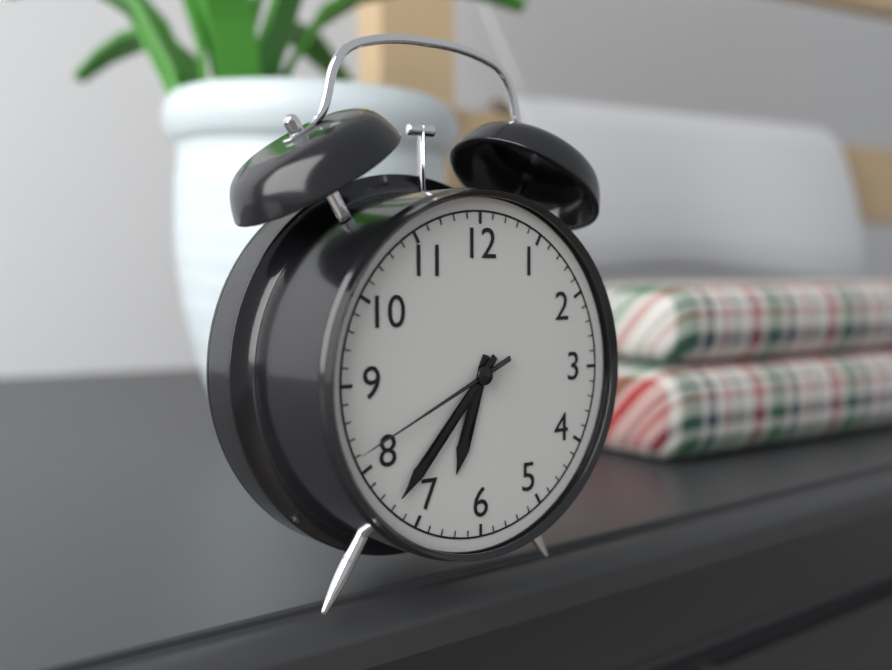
**6:37:41**
